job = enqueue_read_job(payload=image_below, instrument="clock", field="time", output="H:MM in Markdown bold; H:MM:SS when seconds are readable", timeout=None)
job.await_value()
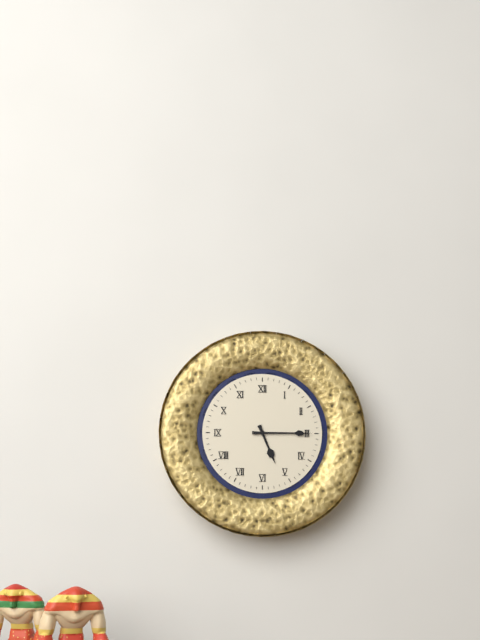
**5:15**
